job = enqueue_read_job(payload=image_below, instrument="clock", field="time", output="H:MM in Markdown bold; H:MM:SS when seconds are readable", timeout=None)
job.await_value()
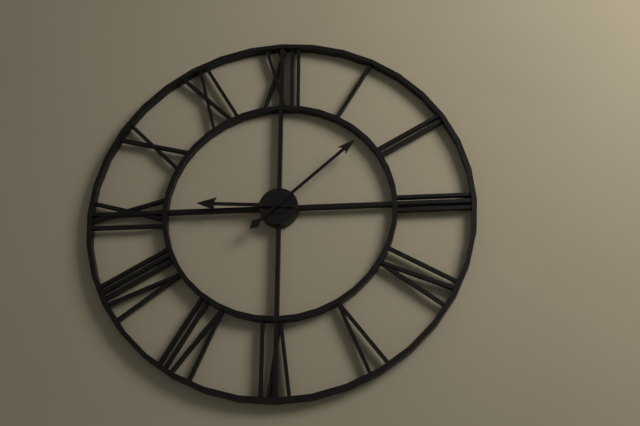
**9:08**
